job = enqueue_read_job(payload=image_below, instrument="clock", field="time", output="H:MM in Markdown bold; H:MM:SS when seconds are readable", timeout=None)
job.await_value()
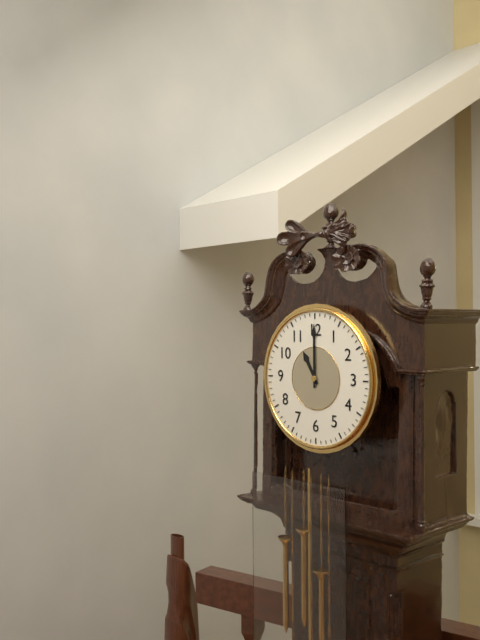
**11:00**
